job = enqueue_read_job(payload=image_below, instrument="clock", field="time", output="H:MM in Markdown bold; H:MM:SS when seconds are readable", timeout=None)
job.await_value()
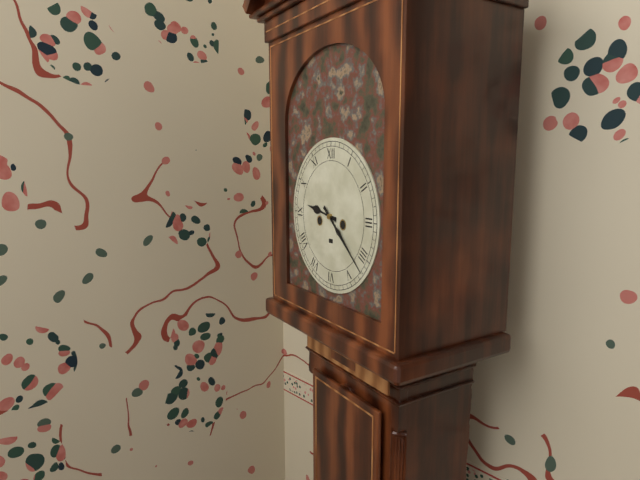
**9:22**
